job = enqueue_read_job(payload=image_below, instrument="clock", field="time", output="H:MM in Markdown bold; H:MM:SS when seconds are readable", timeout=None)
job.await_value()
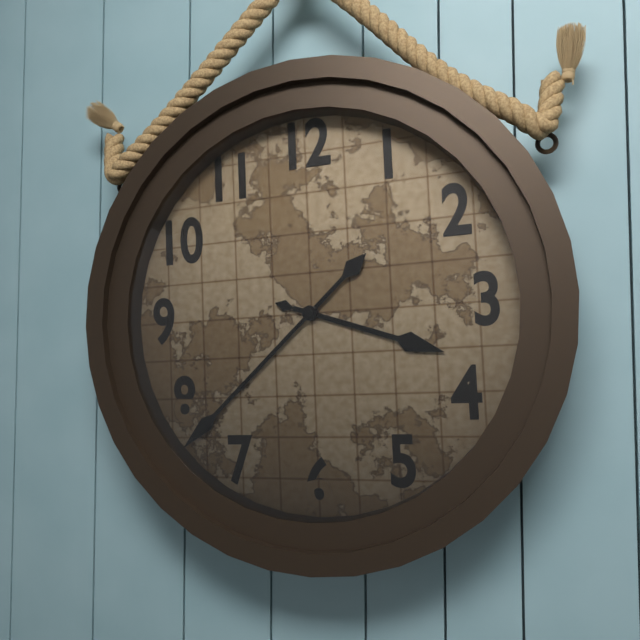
**3:38**
